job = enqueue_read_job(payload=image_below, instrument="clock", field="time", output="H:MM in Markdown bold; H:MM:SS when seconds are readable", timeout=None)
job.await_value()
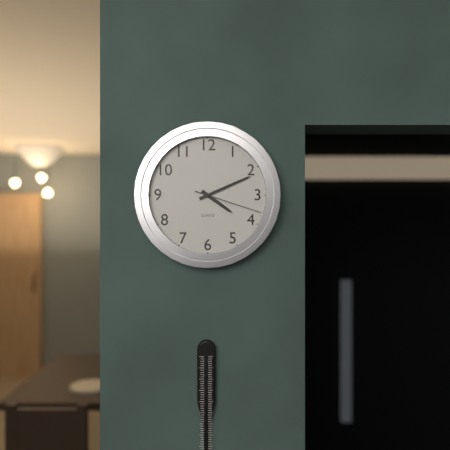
**4:11:18**
